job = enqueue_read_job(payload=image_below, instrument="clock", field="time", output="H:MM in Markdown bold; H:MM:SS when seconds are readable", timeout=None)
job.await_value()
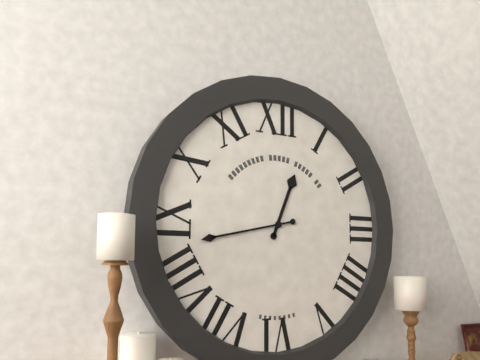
**12:43**
